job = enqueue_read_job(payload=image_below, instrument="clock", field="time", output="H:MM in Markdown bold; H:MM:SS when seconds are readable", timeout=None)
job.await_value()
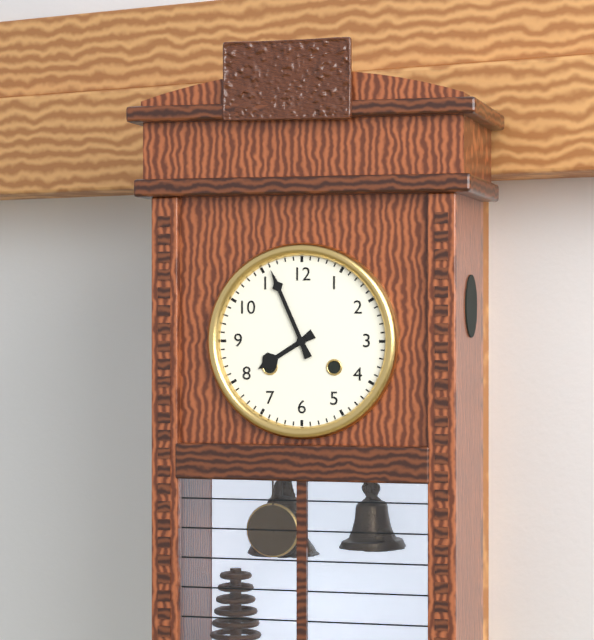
**7:56**
